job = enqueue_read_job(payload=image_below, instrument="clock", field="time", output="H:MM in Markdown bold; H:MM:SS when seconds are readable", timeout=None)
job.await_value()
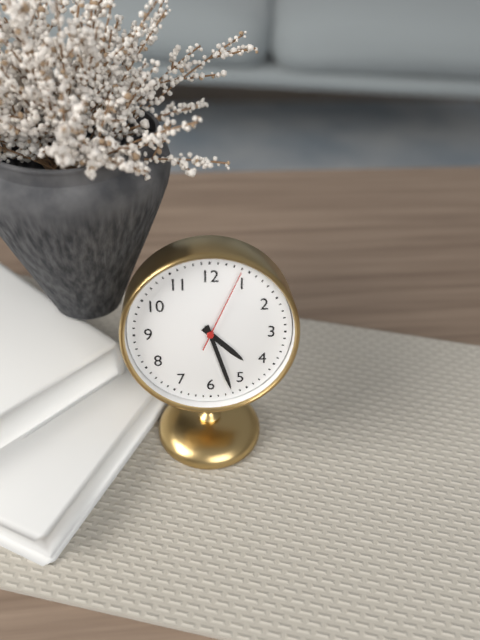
**4:27:04**
